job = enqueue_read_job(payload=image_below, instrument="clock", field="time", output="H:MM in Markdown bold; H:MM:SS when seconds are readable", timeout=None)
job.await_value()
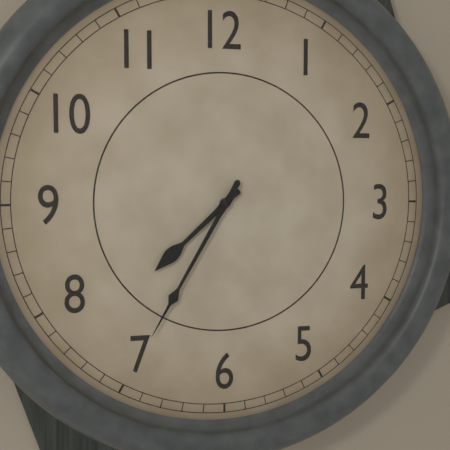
**7:35**
